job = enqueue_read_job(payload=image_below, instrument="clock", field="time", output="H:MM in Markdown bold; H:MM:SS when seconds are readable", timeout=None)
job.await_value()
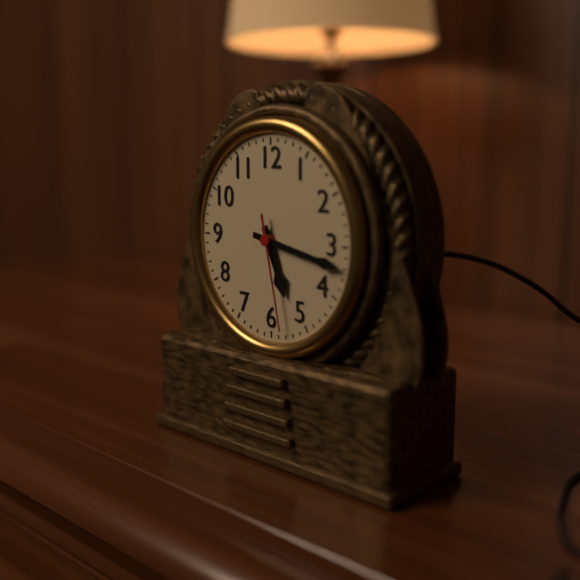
**5:17:28**
